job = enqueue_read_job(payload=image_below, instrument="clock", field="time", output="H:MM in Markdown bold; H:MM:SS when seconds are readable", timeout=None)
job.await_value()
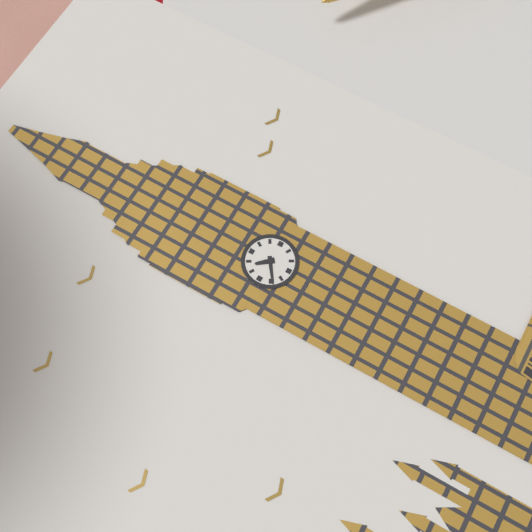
**10:39**
